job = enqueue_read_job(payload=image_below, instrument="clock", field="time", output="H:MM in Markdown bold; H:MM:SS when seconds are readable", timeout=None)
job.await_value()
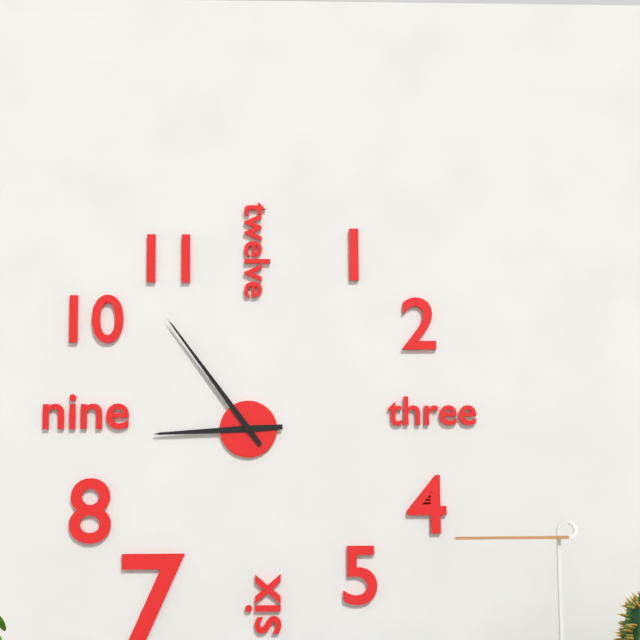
**8:54**
